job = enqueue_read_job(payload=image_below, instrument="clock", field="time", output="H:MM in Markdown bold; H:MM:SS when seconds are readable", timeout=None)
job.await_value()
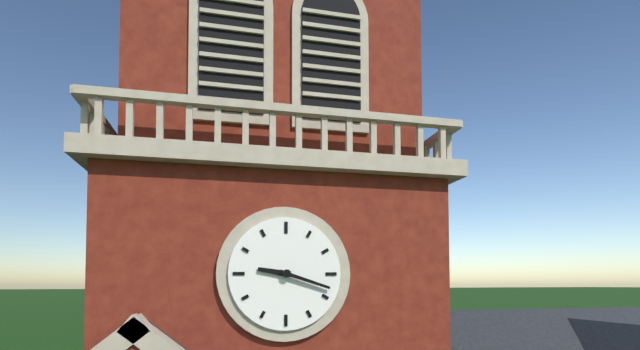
**9:18**
